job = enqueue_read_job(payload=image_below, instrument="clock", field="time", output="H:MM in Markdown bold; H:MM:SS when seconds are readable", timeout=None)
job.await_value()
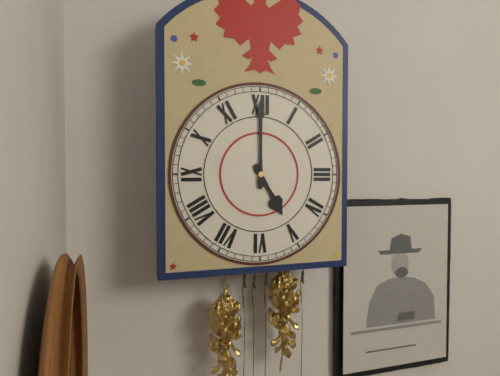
**5:00**
